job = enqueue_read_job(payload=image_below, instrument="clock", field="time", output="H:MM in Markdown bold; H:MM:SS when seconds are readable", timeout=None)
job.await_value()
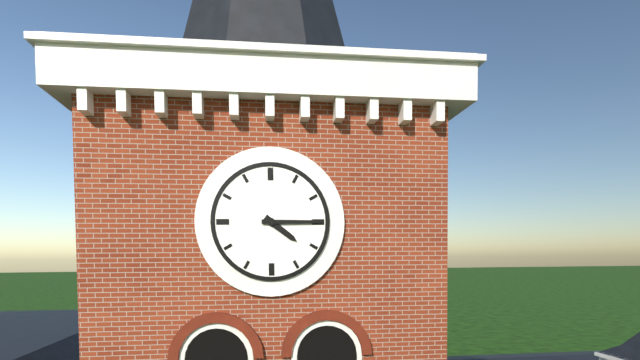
**4:15**
